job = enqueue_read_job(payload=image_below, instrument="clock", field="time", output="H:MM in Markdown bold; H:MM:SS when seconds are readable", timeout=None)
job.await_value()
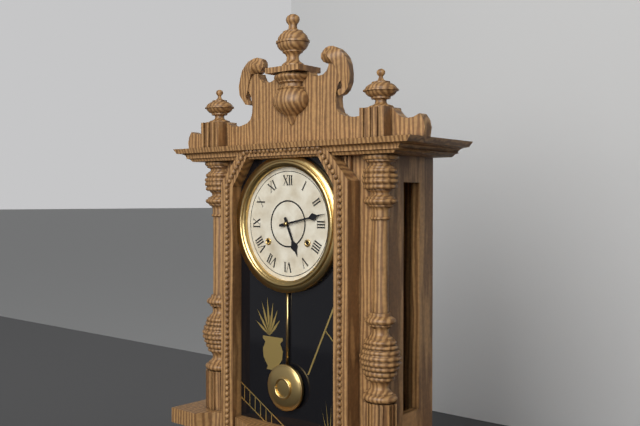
**5:13**
